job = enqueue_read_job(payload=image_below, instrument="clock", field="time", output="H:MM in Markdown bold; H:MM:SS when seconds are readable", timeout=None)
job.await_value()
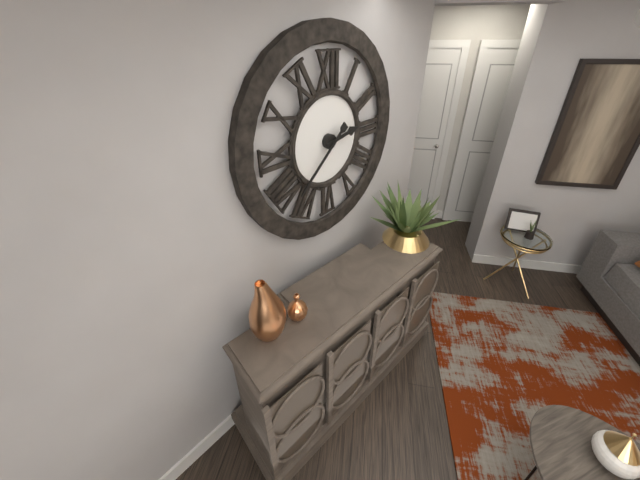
**2:38**
